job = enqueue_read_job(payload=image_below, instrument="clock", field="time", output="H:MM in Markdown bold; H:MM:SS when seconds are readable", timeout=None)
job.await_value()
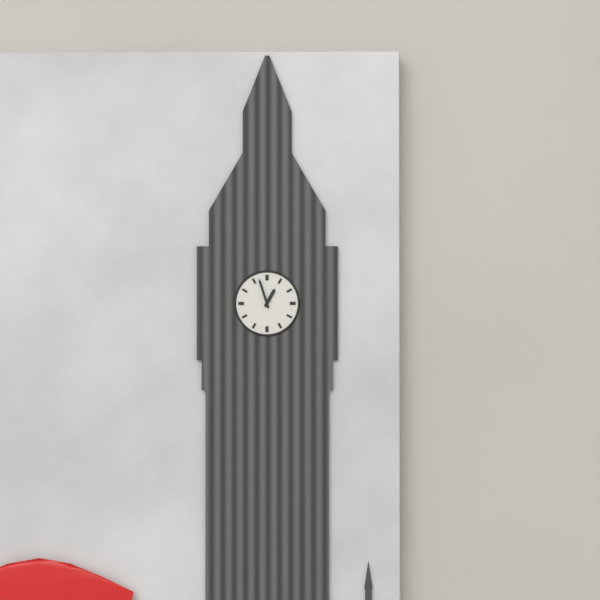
**12:57**
